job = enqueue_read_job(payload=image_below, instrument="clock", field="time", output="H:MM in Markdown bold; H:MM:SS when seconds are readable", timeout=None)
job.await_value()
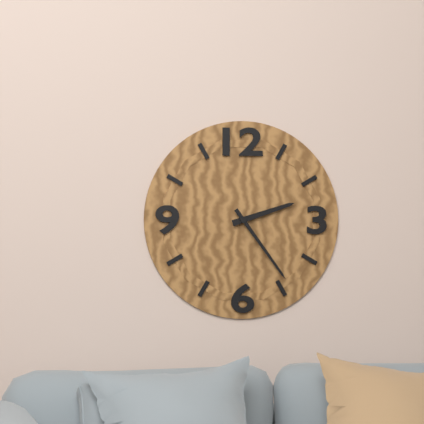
**2:24**
